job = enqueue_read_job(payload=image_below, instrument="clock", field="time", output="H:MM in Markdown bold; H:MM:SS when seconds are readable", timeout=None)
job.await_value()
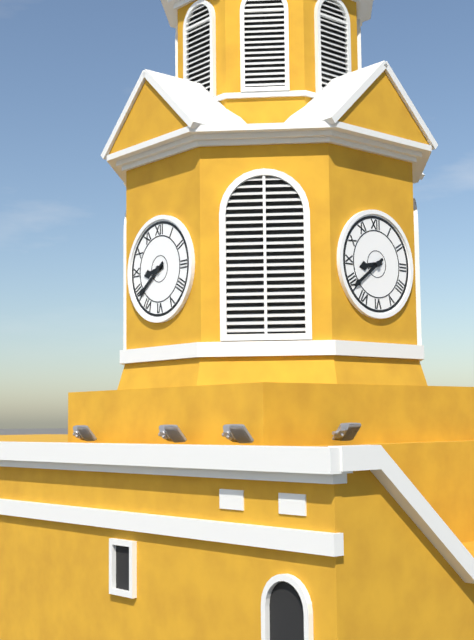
**8:39**
